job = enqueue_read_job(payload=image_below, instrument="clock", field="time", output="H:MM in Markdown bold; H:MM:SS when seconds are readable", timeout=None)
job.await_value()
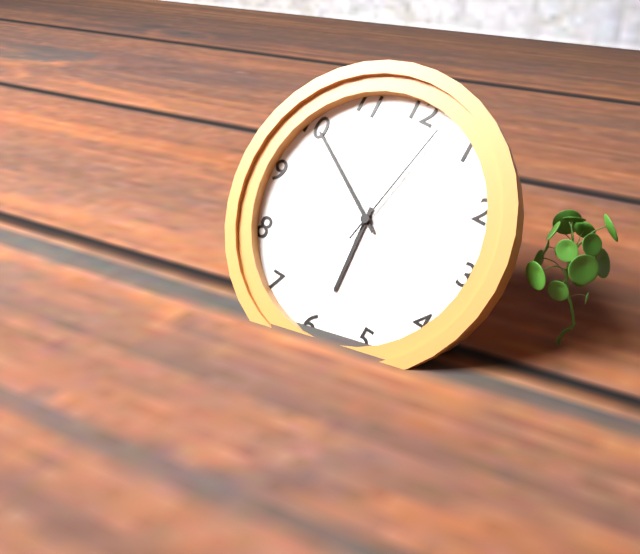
**5:50:02**
